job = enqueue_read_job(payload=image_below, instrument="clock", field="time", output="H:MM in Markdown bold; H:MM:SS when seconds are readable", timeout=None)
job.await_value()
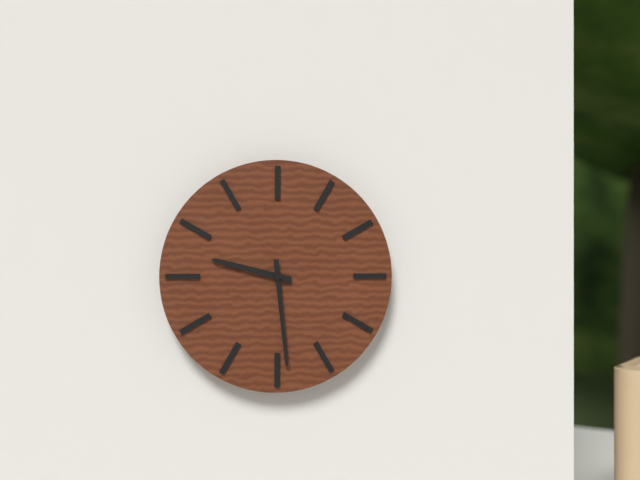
**9:29**
